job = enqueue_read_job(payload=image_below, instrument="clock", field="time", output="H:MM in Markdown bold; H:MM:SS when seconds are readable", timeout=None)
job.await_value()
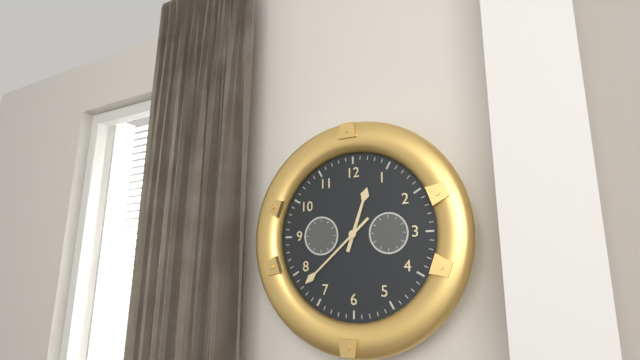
**12:38**
